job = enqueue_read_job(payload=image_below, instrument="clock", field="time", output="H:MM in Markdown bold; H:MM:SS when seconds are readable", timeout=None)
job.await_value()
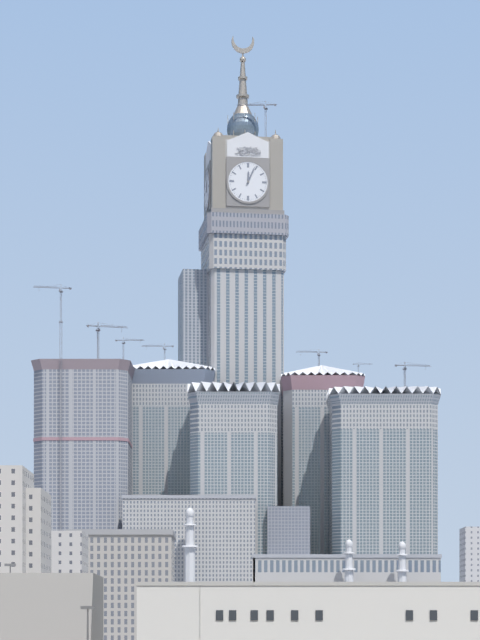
**12:04**
